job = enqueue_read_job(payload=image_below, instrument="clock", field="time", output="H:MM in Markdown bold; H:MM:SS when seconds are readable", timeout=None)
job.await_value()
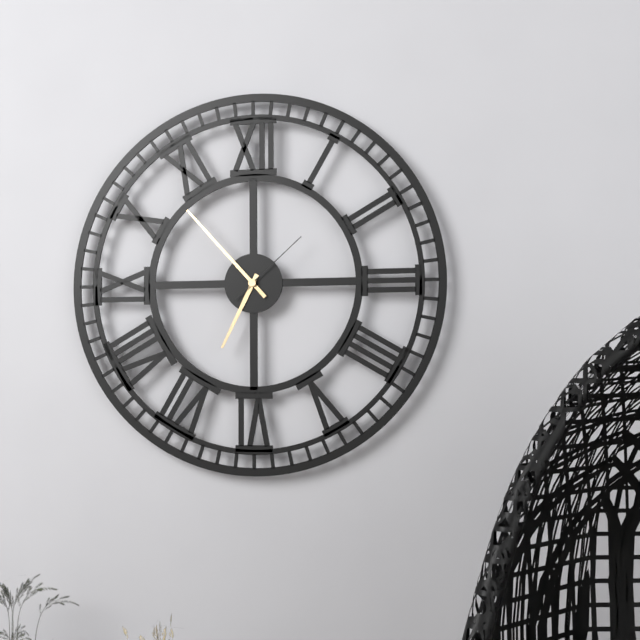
**6:53:08**
